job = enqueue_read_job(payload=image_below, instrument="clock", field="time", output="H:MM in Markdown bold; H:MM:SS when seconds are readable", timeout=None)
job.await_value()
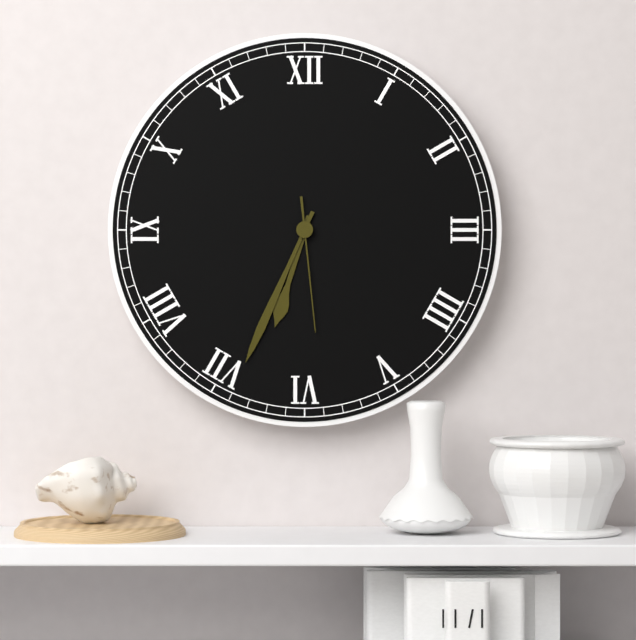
**6:34:29**
